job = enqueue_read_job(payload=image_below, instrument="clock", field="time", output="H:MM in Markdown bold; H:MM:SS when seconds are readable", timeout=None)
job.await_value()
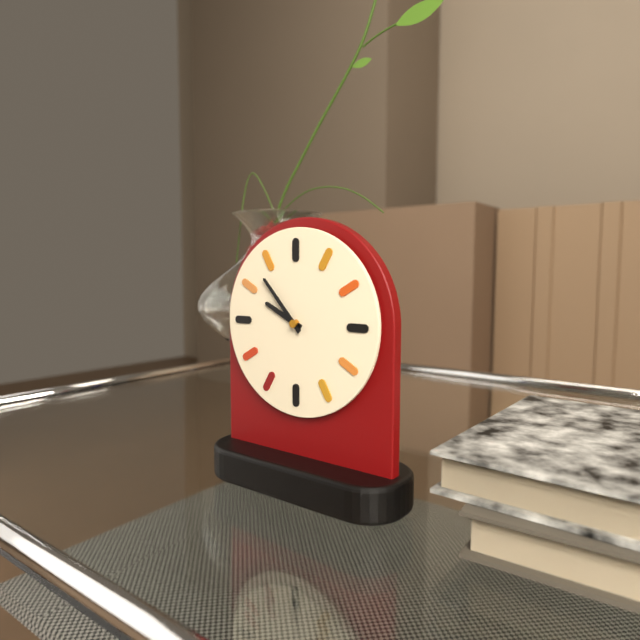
**9:53**
